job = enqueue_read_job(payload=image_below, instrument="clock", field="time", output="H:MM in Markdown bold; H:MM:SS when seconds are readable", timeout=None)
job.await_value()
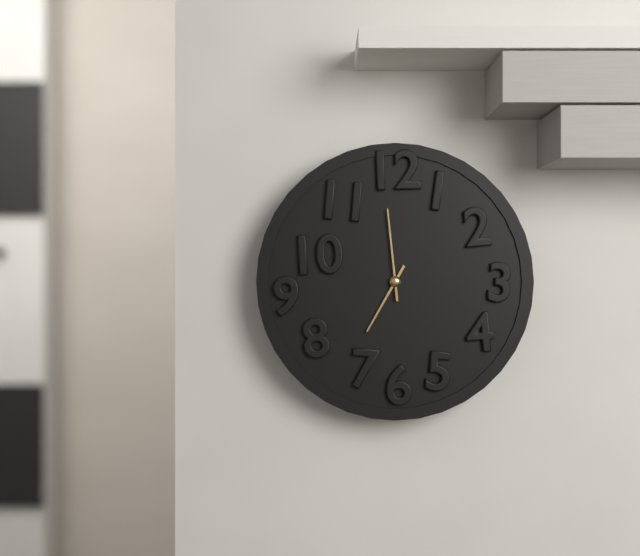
**6:59**
